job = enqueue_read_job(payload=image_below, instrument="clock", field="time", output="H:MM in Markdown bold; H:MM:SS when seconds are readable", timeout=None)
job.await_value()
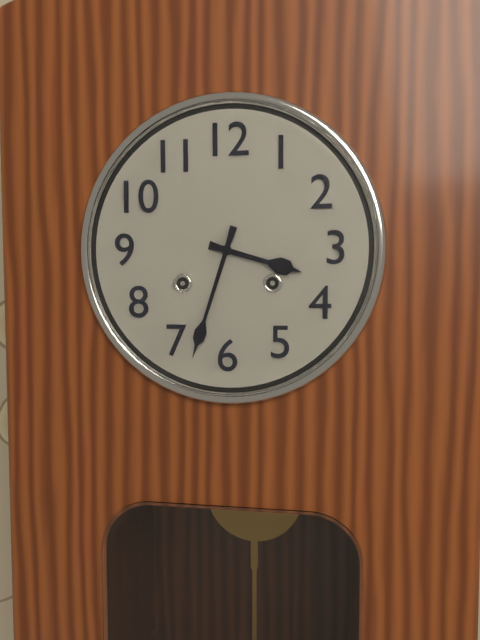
**3:33**
